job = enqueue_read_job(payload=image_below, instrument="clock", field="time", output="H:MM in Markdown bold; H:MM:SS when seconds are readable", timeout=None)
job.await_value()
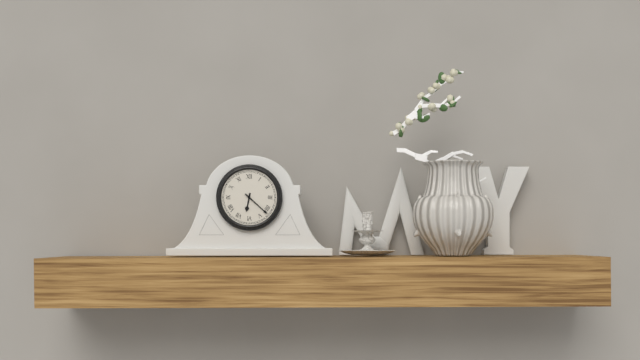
**6:22**
